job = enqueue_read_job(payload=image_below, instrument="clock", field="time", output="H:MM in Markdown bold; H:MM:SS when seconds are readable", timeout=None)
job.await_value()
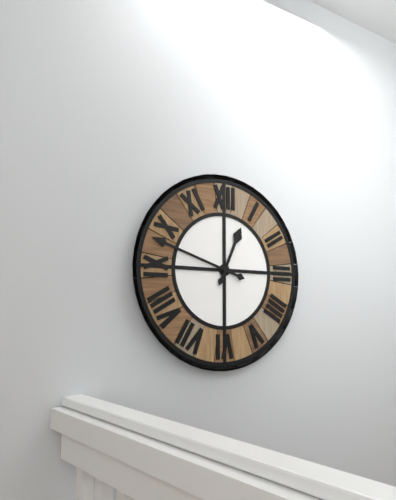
**12:48**
